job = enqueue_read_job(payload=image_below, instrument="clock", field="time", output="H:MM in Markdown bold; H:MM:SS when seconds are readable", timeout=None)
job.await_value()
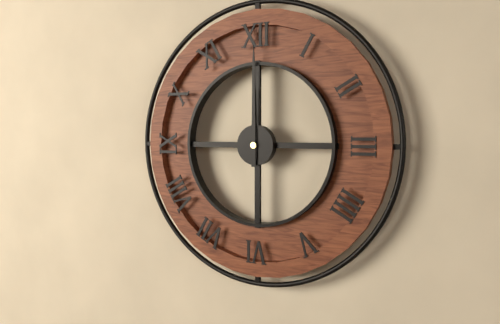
**12:00**
